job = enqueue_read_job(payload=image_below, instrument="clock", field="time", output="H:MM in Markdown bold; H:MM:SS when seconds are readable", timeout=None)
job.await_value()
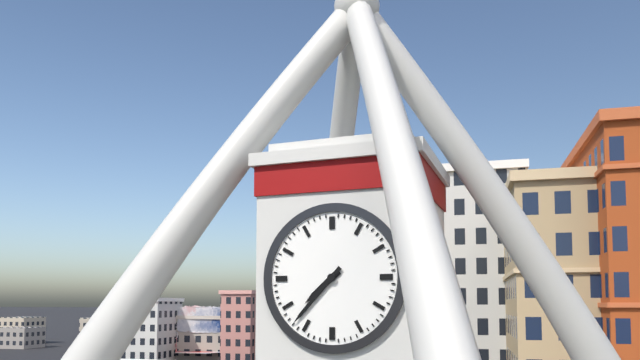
**7:37**
